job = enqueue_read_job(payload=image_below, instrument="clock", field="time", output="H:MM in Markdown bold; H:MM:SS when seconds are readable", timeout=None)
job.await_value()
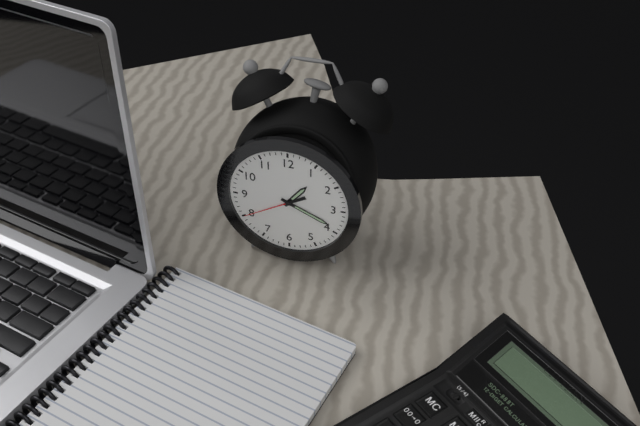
**1:19:40**
